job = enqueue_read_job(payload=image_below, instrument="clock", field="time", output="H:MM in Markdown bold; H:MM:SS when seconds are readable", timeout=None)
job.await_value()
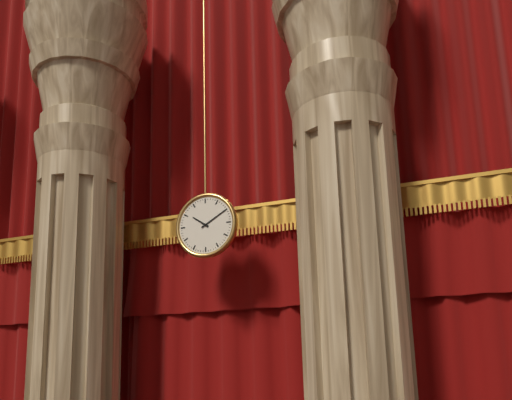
**10:10**
